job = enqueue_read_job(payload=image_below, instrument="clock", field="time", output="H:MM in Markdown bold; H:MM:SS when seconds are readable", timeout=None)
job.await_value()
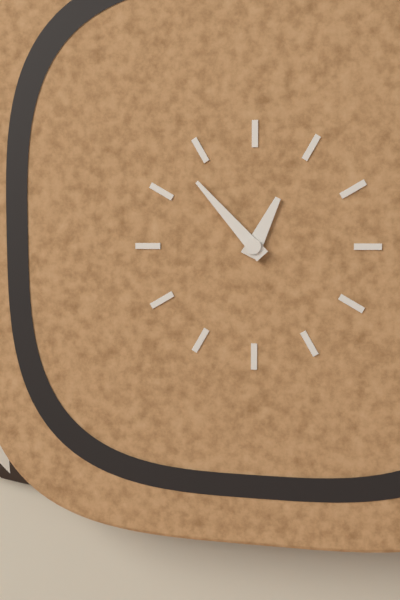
**12:53**
